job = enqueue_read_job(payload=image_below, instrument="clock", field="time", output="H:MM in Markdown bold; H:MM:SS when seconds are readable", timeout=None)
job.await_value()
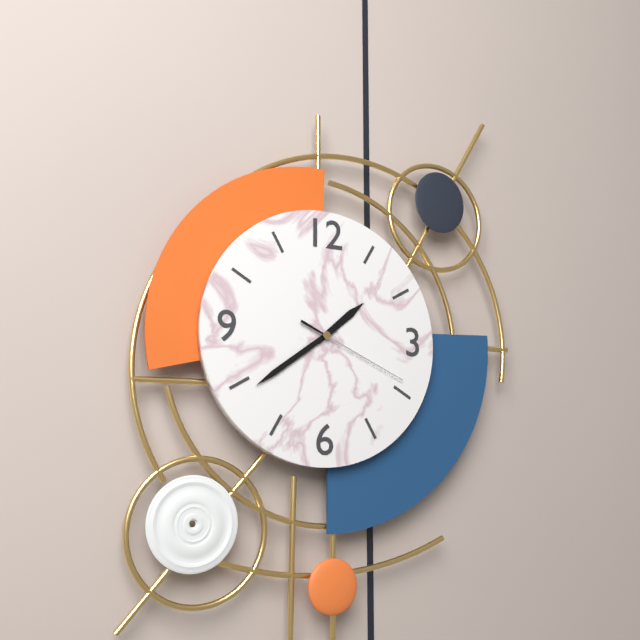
**1:39:19**
